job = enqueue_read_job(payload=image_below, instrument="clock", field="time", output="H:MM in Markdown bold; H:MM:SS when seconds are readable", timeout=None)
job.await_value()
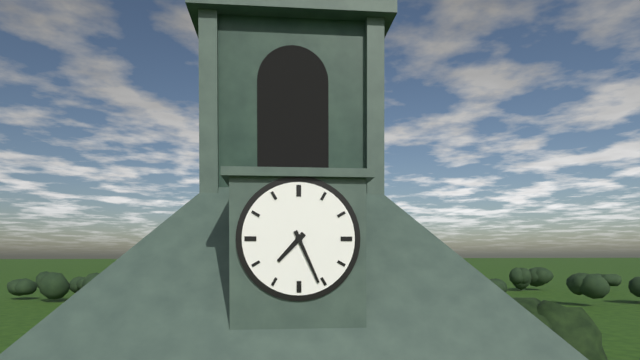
**7:26**
